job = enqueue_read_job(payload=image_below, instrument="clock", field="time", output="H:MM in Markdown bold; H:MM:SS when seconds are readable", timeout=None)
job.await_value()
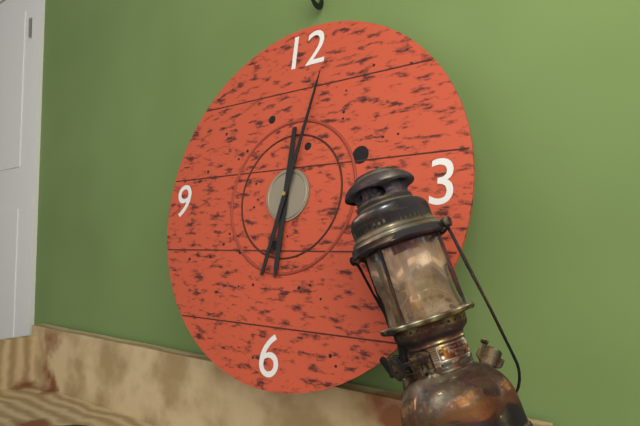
**6:02**
